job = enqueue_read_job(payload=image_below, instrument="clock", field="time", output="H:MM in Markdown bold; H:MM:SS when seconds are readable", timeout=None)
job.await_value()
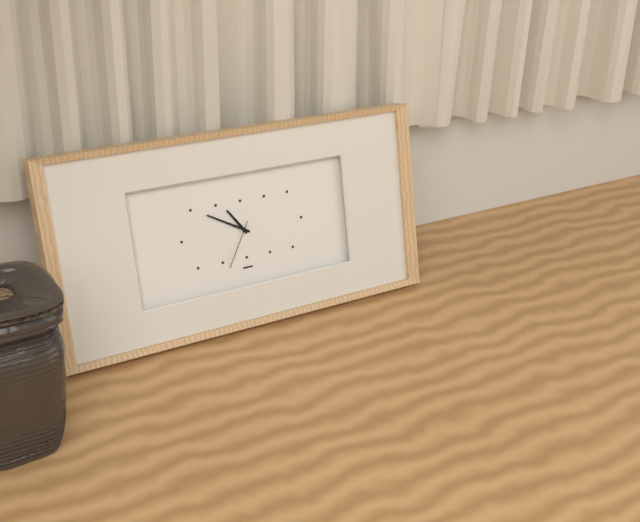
**10:50:35**
